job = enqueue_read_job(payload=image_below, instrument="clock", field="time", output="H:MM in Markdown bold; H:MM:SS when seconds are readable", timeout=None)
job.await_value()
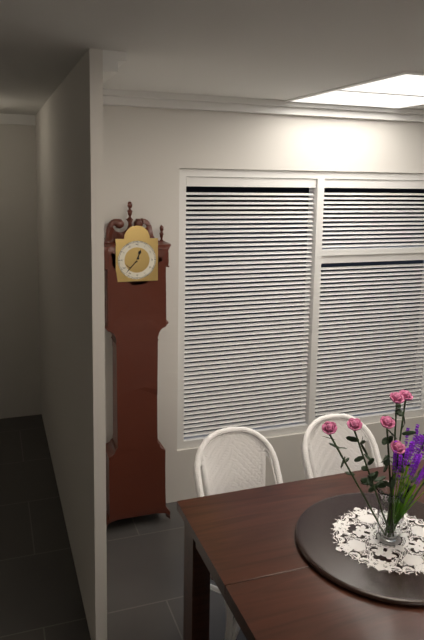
**12:37**
